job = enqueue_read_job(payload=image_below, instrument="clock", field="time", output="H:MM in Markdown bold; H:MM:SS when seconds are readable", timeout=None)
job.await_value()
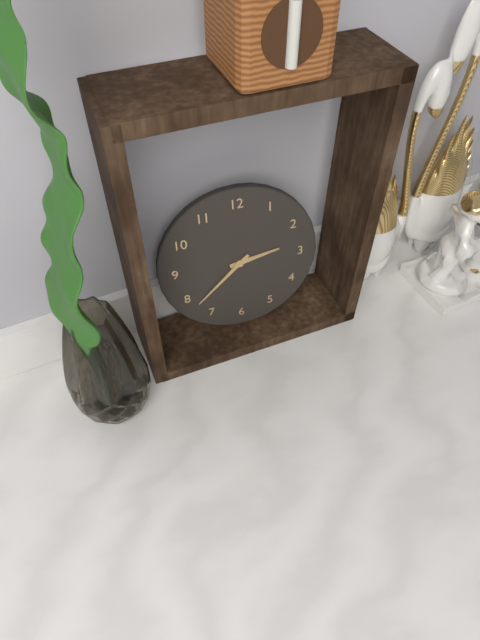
**2:38**
